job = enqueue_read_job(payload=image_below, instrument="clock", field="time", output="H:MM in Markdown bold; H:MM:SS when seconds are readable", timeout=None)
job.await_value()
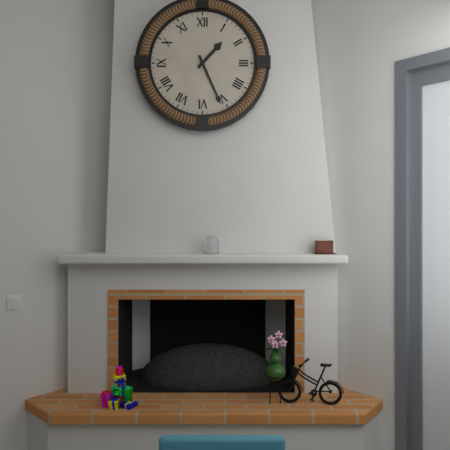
**1:26**
